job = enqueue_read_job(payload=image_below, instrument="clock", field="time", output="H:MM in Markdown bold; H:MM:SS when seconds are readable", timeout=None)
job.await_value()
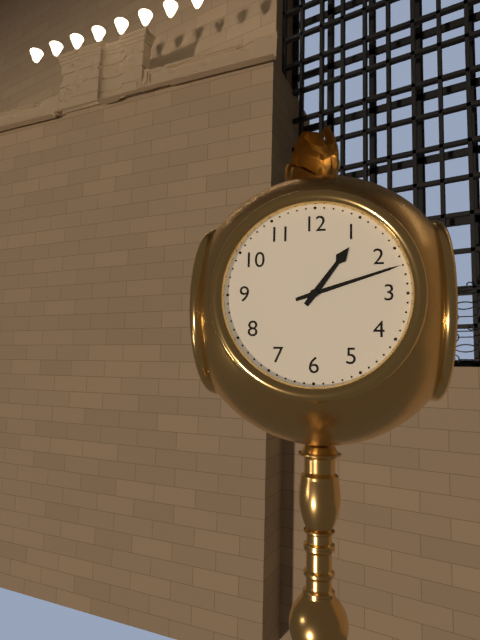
**1:12**
